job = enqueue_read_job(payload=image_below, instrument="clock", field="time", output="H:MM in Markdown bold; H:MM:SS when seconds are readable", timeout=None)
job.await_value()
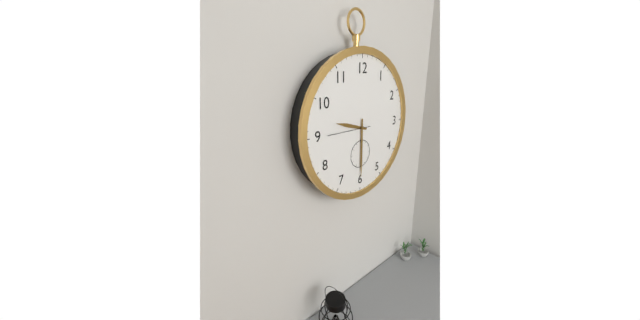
**9:30**
